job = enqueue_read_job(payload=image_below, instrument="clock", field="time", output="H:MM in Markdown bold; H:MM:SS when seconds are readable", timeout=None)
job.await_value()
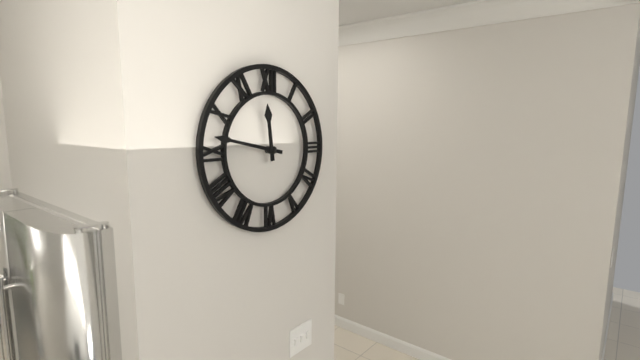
**11:47**
